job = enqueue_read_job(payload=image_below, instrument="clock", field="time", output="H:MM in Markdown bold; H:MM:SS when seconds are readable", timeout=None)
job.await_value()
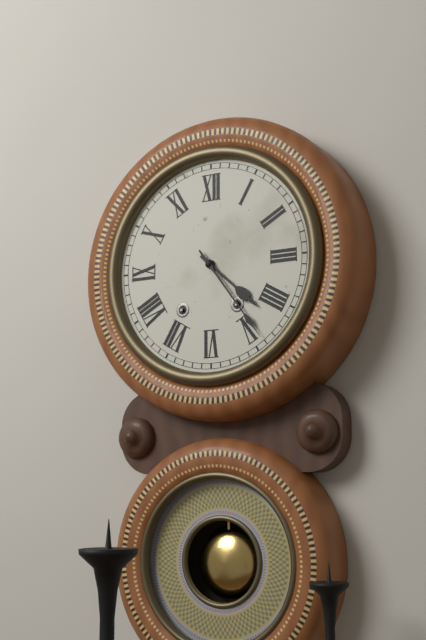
**4:24**
